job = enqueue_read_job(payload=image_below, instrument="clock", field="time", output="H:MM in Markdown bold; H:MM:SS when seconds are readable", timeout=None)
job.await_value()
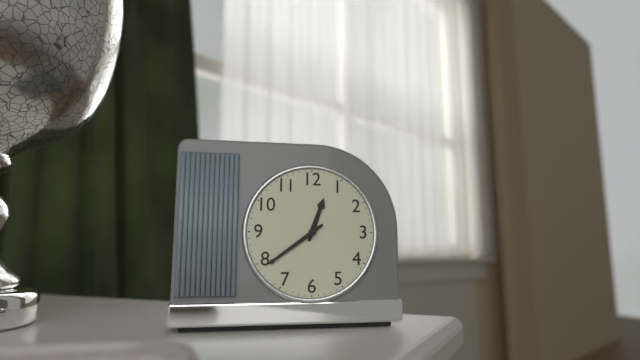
**12:39**
